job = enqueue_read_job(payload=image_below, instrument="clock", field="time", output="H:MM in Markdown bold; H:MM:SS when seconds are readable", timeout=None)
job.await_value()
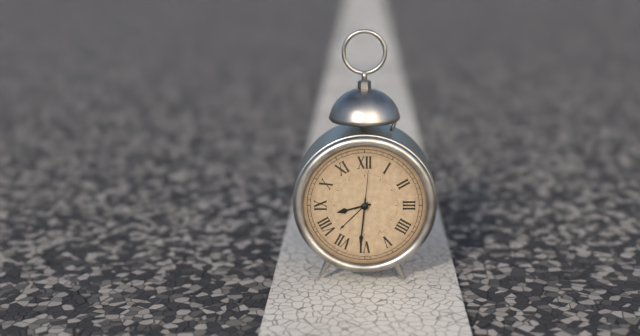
**8:31**
